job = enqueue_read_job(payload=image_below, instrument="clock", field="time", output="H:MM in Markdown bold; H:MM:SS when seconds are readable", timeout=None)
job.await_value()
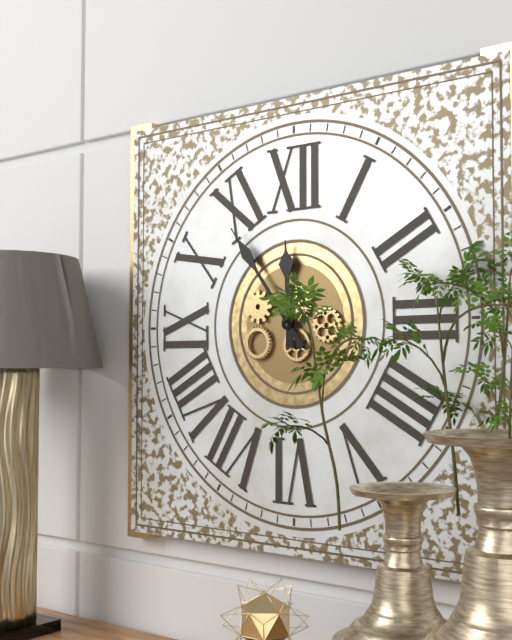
**11:54**
